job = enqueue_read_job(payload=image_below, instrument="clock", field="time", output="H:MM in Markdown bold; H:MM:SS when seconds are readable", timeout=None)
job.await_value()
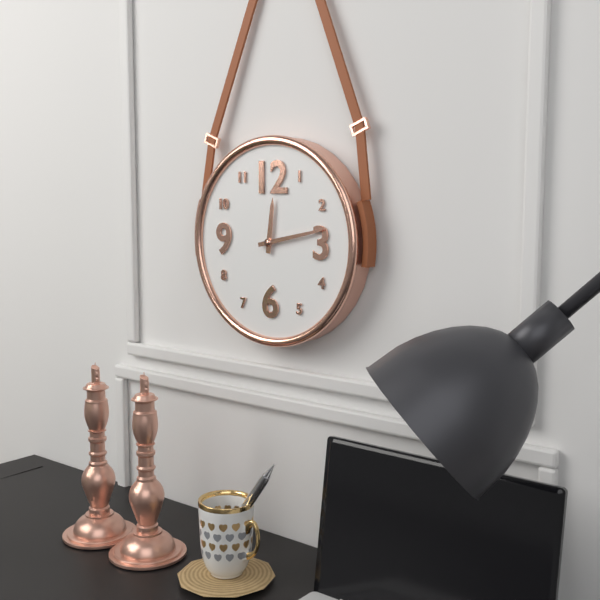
**12:13**
